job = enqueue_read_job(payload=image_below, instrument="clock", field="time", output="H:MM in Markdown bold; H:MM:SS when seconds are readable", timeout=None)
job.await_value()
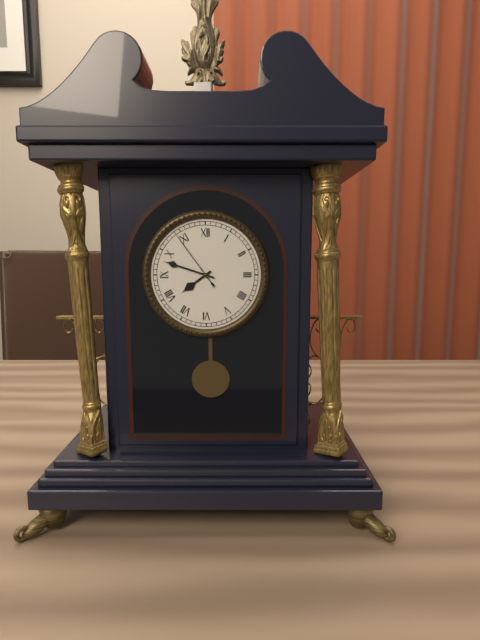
**7:48:54**
